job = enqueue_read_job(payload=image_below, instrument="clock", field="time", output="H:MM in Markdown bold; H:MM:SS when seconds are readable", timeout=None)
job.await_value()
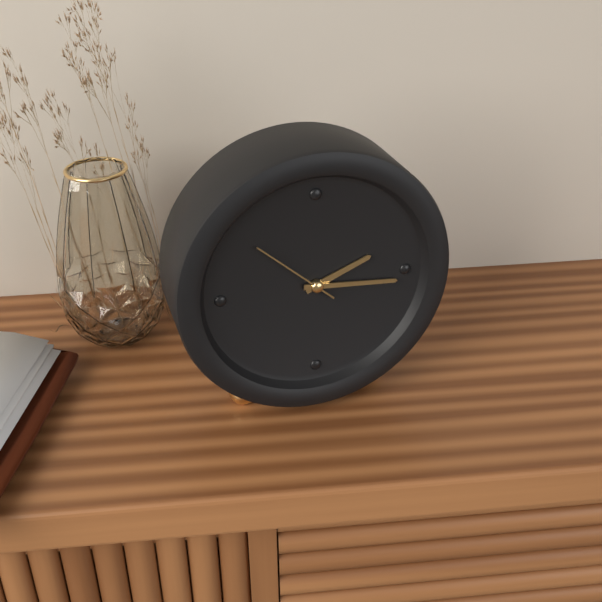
**2:16:52**
